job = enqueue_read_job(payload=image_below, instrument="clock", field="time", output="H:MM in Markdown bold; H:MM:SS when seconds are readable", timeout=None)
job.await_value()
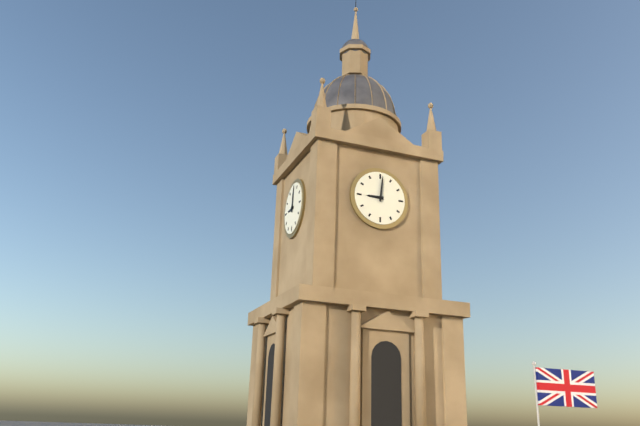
**9:01**
